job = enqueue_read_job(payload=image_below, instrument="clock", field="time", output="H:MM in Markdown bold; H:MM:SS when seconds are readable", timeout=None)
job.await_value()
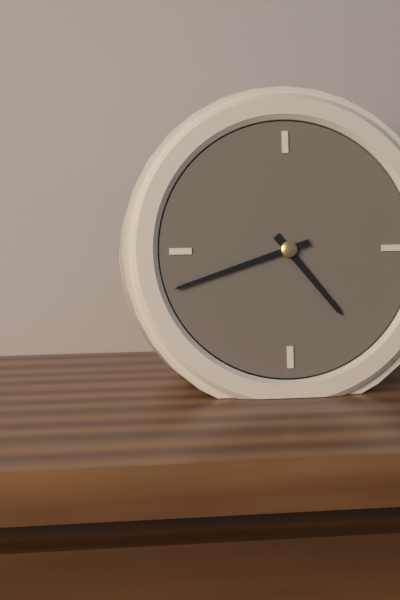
**4:42**
